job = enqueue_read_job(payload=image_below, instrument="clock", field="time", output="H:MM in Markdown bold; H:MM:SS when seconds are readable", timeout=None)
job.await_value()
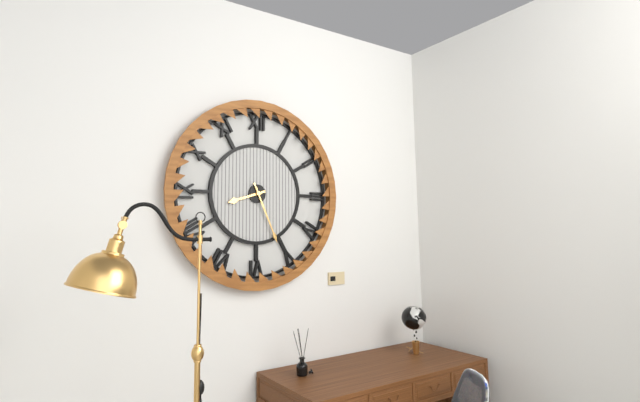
**8:26**
